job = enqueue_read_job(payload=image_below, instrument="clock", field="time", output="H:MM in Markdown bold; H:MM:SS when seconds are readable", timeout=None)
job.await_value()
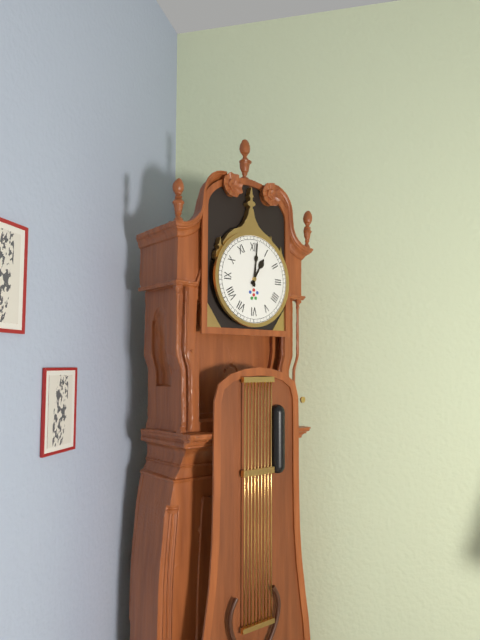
**1:01**
